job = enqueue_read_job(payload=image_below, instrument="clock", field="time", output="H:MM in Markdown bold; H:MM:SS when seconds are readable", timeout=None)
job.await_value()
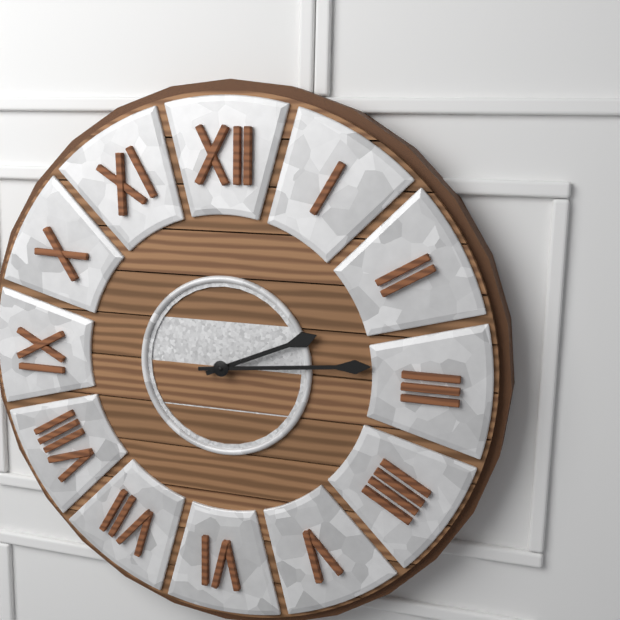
**2:14**
